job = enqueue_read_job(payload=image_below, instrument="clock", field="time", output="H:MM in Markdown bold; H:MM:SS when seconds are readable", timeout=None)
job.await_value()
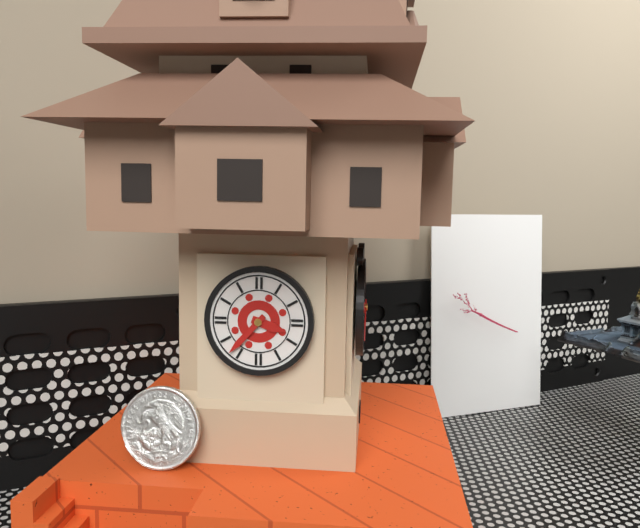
**3:37**
